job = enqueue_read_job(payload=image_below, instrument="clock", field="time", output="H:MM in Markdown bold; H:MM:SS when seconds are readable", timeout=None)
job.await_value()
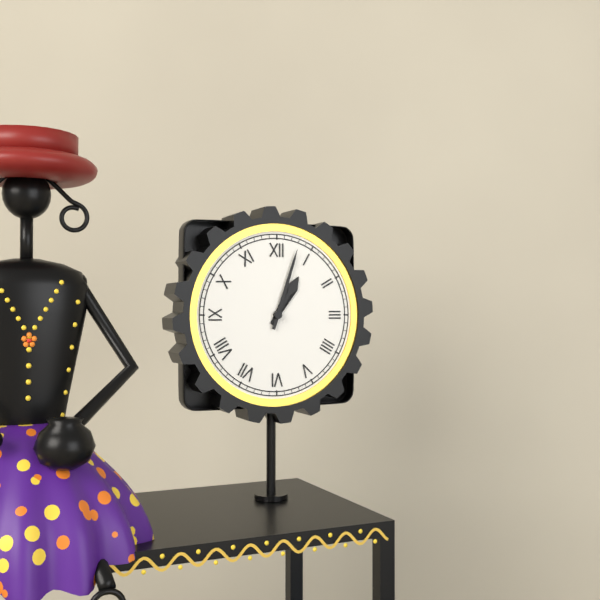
**1:03**
